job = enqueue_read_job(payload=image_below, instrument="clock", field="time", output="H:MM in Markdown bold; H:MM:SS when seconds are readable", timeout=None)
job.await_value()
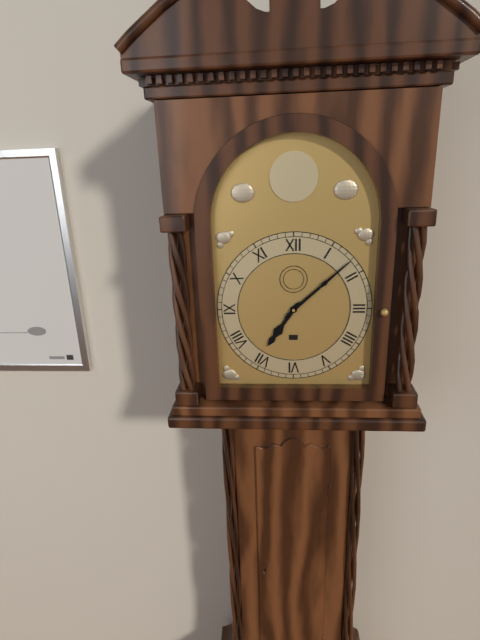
**7:08**
